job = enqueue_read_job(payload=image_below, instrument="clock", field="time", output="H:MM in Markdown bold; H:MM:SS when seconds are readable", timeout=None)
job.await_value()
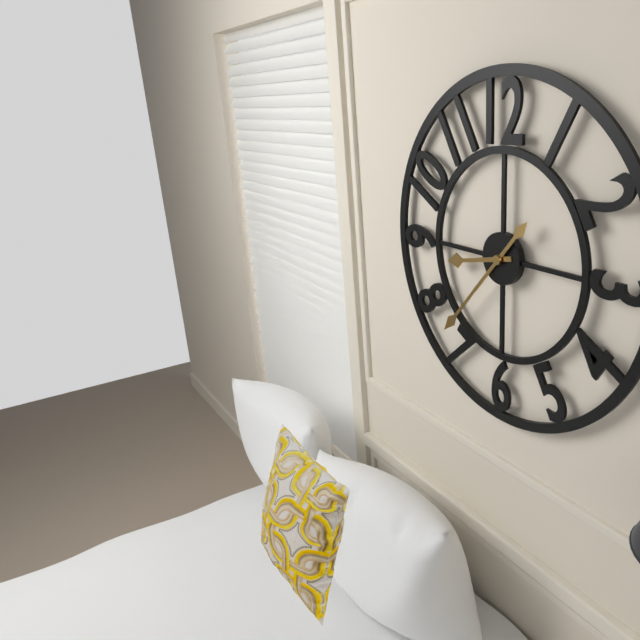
**8:37**
